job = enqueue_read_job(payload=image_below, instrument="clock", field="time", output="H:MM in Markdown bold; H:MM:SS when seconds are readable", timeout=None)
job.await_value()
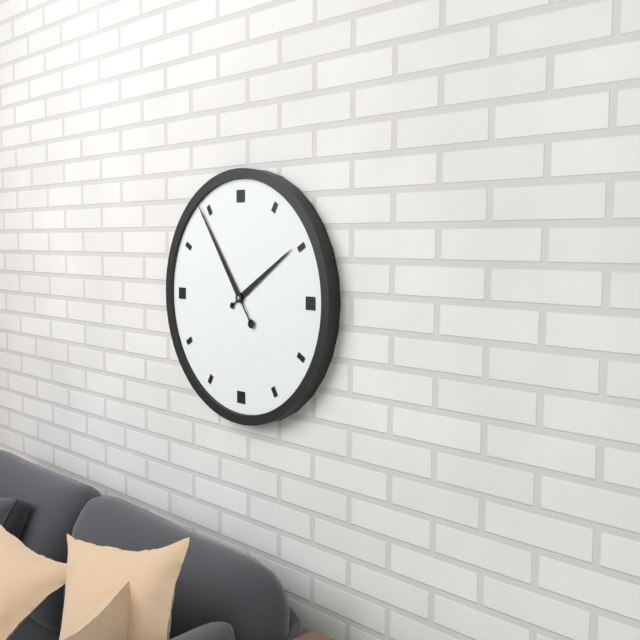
**1:54**
